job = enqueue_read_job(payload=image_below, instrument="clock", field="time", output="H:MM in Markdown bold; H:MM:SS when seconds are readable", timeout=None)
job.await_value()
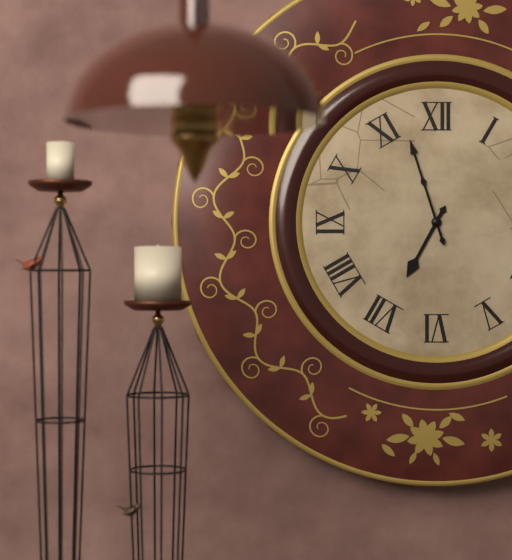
**6:57**
